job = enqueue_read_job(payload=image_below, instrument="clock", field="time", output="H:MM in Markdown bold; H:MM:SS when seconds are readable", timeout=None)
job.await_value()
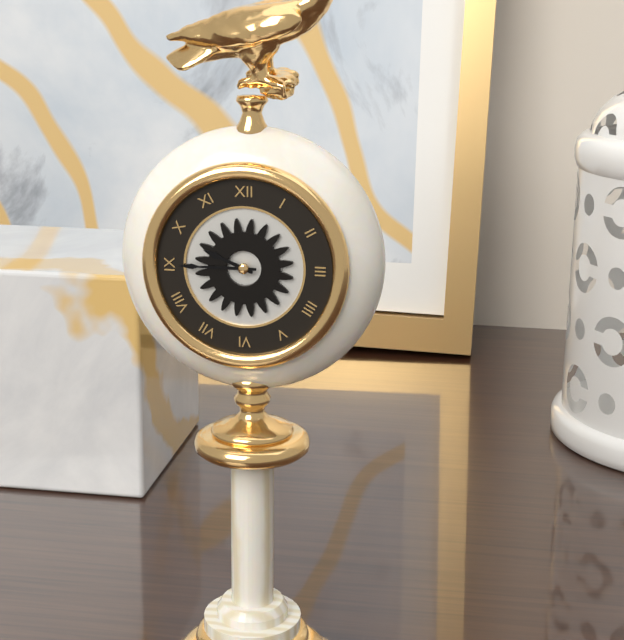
**9:45**
